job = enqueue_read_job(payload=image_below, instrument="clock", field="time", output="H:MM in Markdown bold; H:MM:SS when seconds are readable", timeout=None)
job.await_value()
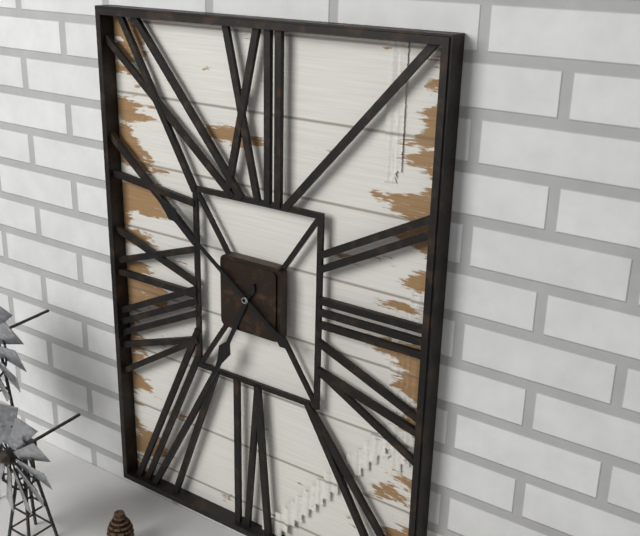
**6:51**
